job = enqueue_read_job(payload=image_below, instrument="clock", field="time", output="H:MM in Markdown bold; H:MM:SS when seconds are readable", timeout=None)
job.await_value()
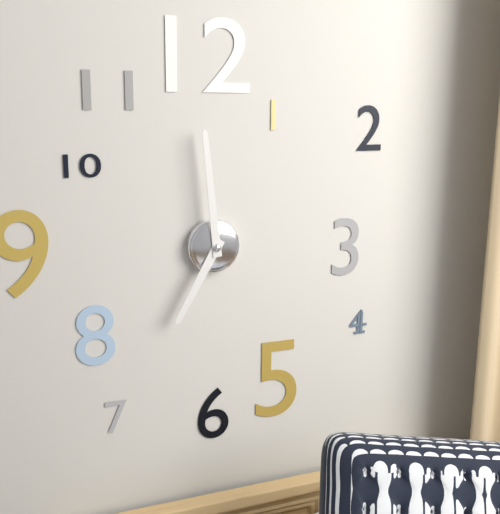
**6:59**
